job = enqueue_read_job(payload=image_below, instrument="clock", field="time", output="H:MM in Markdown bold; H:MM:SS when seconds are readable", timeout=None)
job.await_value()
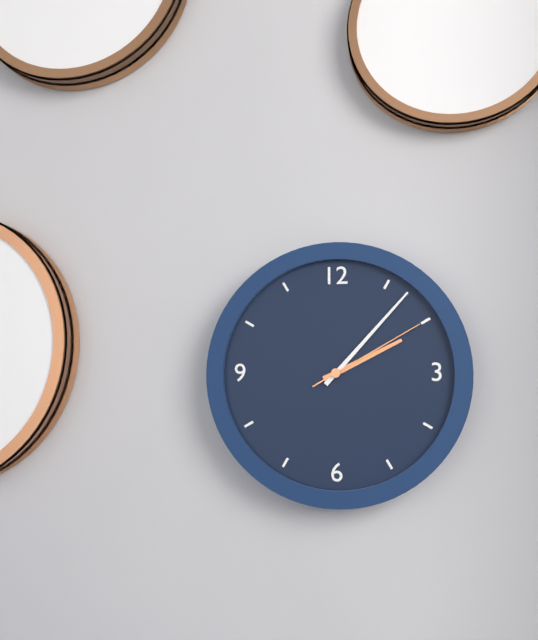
**2:07:10**
